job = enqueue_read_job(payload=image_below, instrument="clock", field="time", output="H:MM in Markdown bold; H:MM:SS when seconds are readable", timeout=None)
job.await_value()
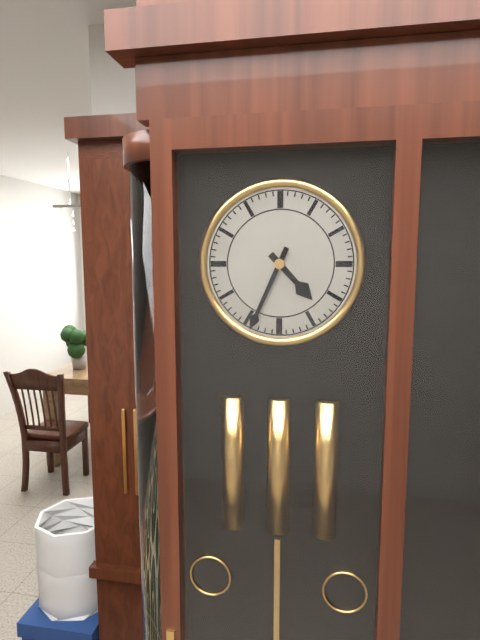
**4:34**
